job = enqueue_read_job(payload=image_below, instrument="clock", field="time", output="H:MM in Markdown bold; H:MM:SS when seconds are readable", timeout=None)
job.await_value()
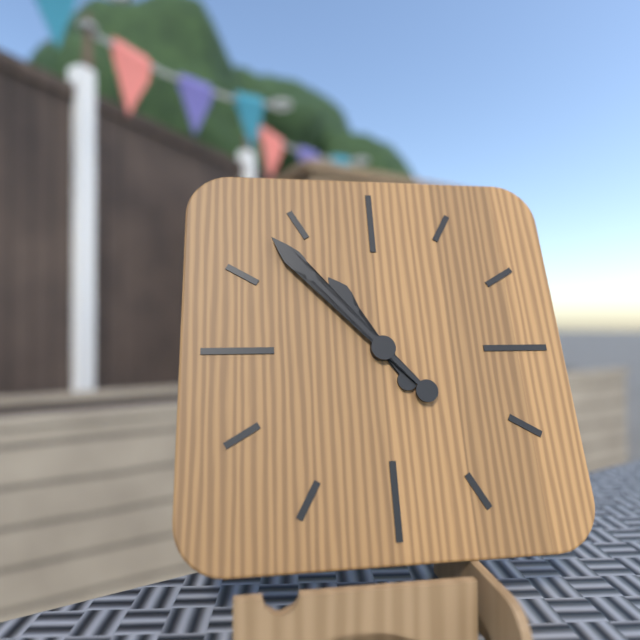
**10:53**
